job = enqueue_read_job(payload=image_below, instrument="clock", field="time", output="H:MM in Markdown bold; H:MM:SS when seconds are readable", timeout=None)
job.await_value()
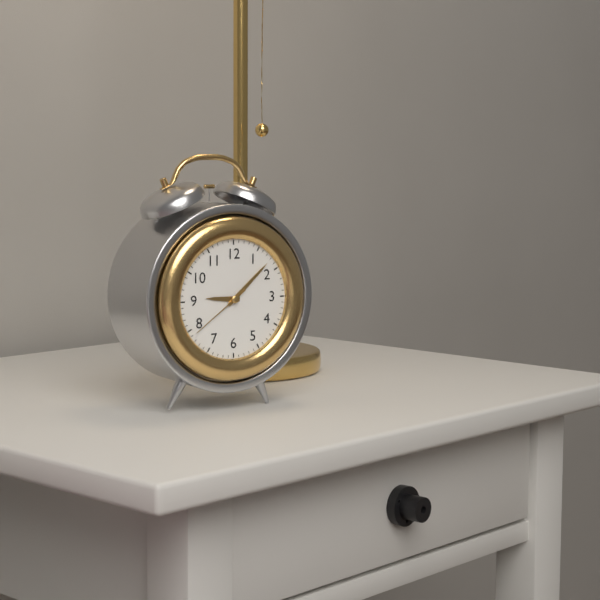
**9:08:39**
